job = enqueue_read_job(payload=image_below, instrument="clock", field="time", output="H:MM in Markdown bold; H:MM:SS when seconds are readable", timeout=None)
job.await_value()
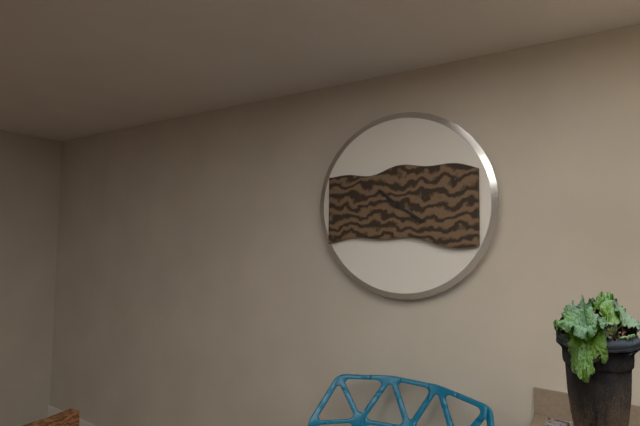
**10:20**
